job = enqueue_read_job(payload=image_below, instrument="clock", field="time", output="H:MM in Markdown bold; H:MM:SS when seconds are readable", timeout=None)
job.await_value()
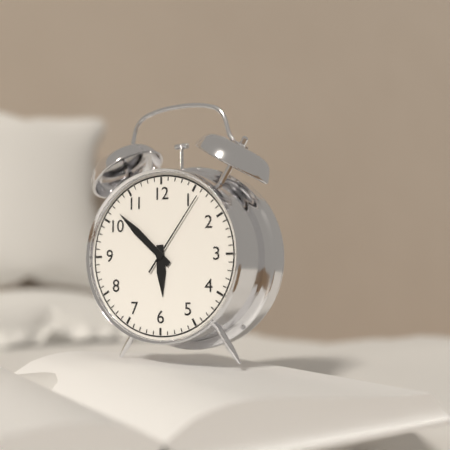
**5:52:06**
